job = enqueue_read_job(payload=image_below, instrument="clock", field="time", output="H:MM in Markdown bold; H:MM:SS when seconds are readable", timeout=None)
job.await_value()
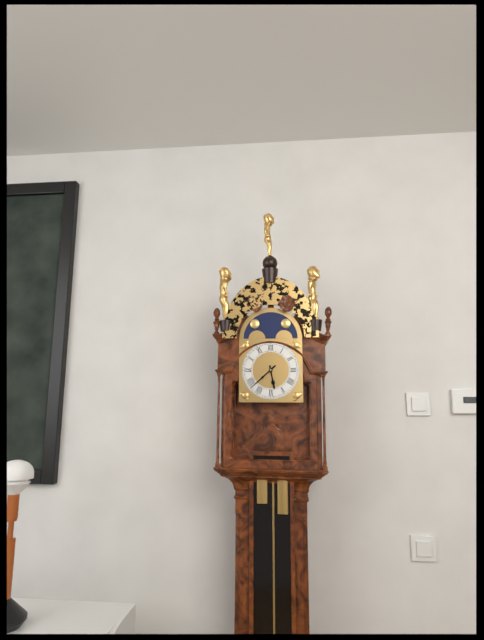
**5:38**
